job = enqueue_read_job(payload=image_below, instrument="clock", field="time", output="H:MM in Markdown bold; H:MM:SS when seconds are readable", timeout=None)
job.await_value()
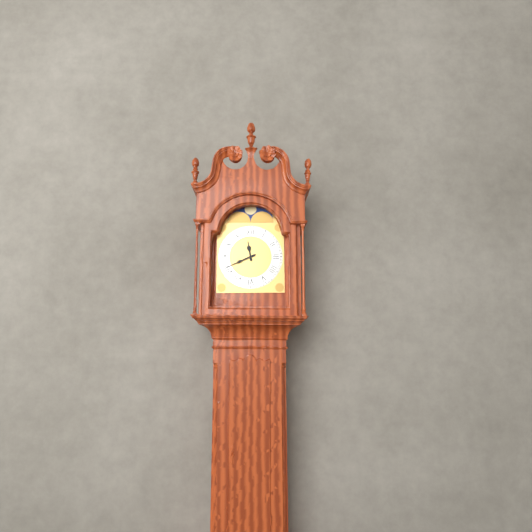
**11:41**
